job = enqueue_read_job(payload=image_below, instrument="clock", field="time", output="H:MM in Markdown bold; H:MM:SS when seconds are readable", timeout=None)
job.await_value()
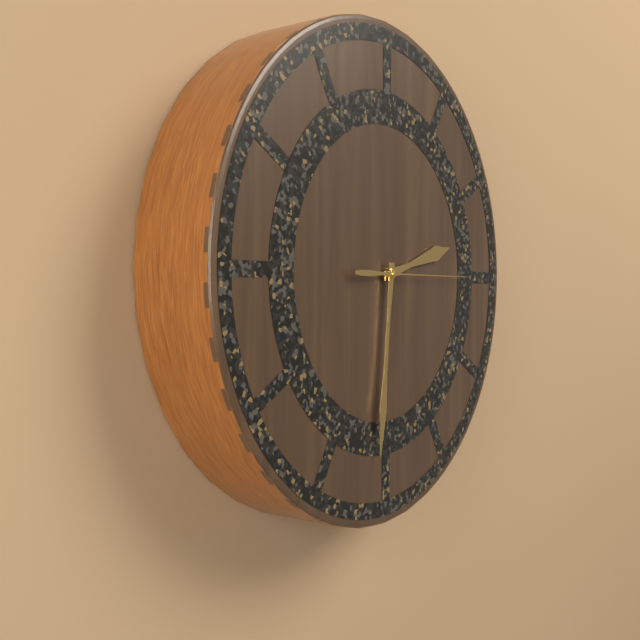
**2:31:15**
